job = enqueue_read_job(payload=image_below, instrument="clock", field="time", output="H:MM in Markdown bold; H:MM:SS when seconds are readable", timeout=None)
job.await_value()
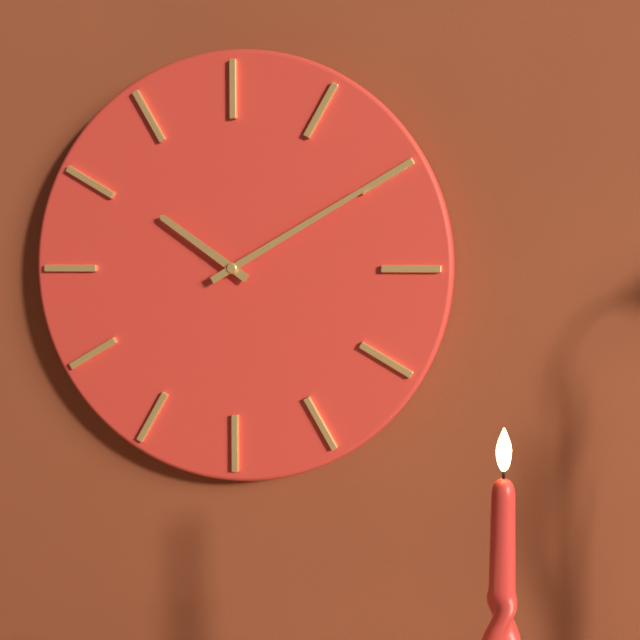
**10:10**
